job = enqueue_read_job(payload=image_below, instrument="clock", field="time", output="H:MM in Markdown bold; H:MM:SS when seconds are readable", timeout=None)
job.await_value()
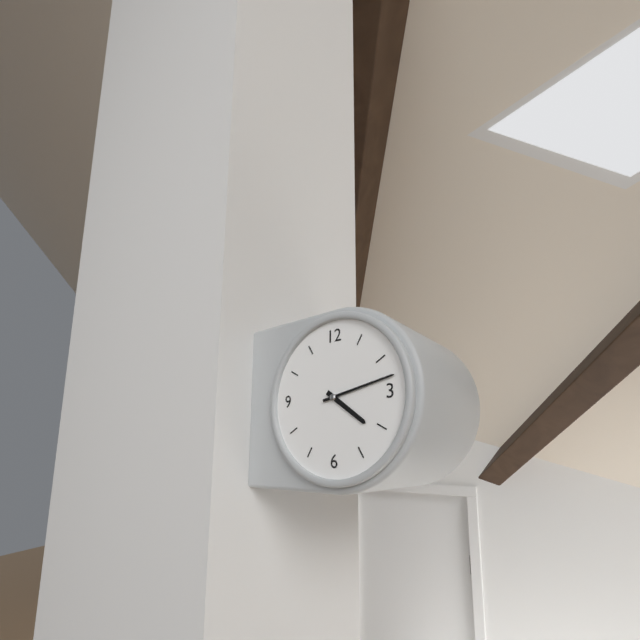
**4:13**
